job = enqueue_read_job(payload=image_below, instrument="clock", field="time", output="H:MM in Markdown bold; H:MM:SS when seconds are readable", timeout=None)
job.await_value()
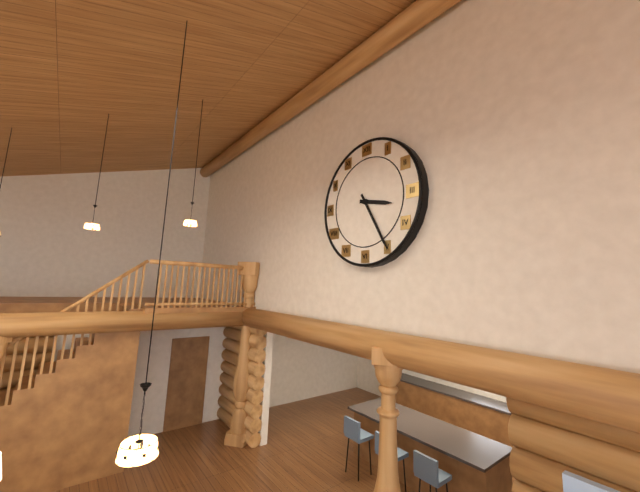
**3:25**
